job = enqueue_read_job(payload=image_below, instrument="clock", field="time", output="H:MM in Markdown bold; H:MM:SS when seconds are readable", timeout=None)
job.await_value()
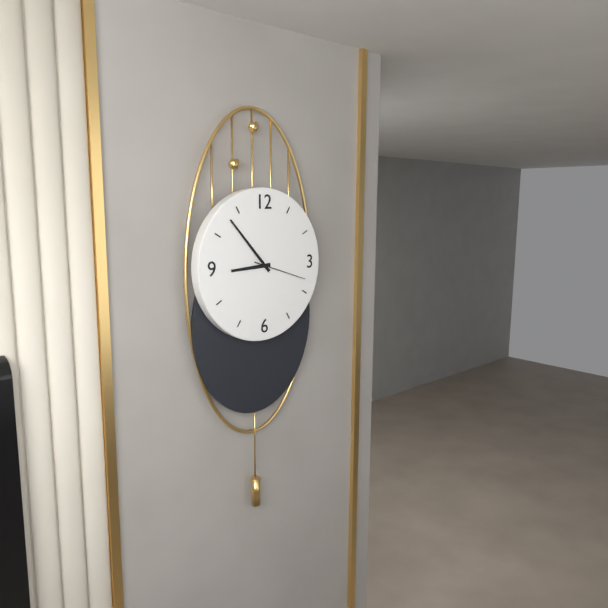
**8:53:18**
